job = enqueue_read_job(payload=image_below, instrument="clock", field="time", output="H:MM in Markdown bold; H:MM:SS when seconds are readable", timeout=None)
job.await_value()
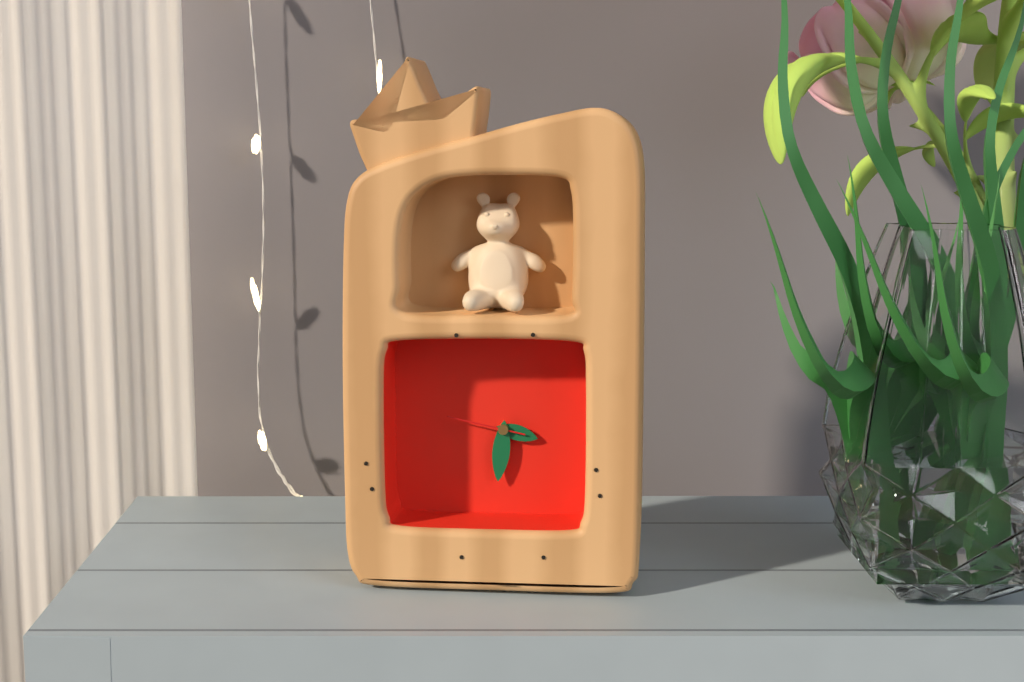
**3:31:47**
